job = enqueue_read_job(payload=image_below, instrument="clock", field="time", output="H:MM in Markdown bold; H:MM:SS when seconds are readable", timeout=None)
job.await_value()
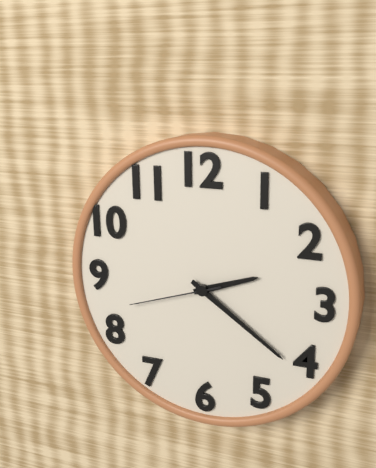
**2:21:42**
